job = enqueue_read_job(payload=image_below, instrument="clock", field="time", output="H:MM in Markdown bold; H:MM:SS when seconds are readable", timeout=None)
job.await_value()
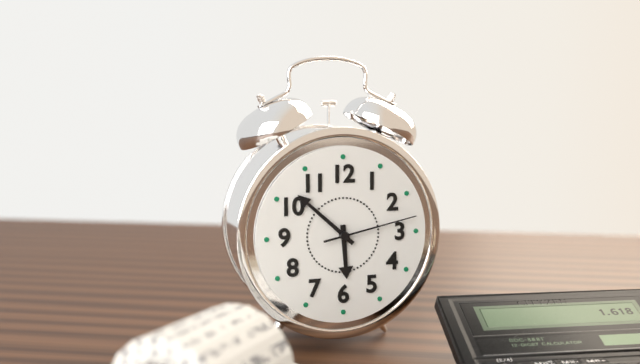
**5:52:13**
